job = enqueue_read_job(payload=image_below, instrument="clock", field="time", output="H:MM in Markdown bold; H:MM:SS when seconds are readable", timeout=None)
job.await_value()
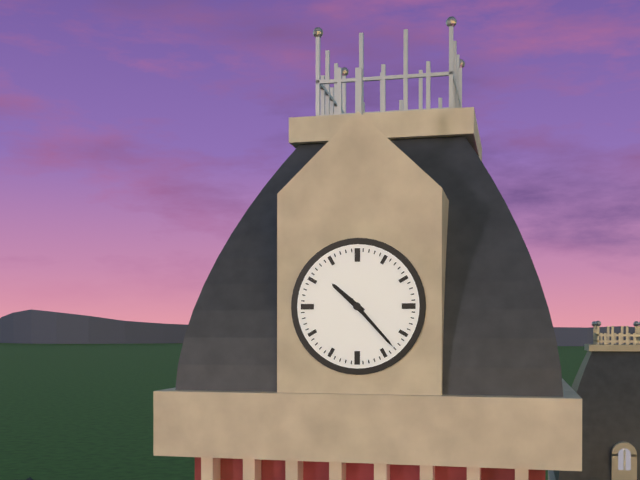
**10:23**
